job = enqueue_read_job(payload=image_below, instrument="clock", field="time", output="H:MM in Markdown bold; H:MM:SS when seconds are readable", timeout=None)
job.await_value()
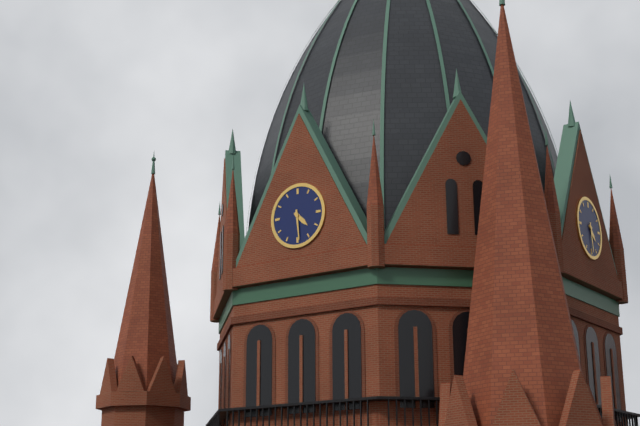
**4:29**
